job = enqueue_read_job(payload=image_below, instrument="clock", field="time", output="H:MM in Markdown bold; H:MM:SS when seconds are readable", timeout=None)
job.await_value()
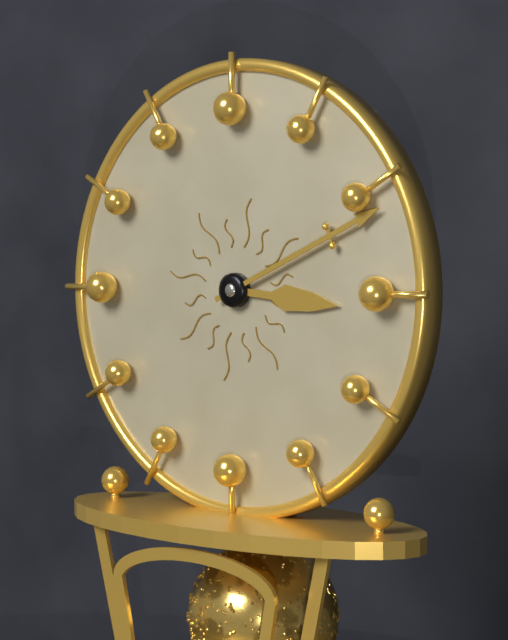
**3:11**
